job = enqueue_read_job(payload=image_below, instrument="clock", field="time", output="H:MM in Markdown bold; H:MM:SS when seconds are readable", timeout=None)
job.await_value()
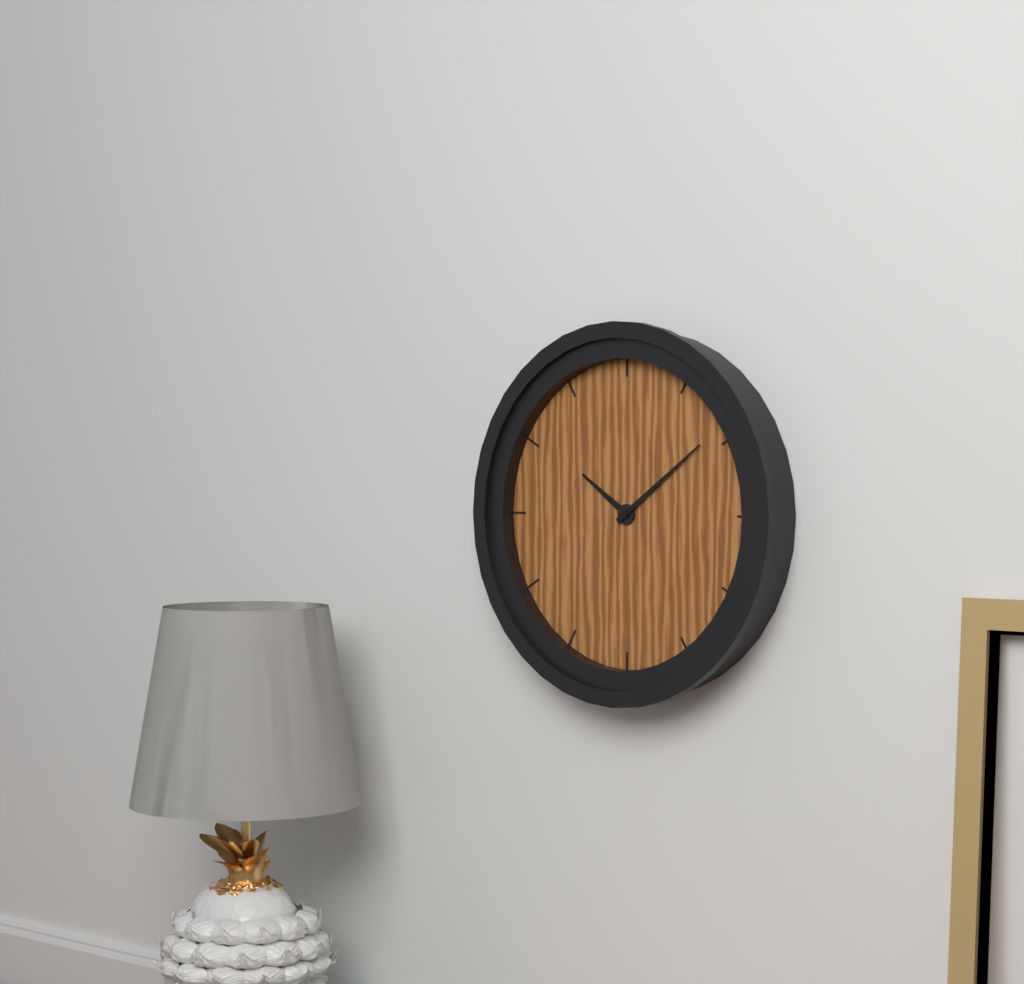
**10:09**
